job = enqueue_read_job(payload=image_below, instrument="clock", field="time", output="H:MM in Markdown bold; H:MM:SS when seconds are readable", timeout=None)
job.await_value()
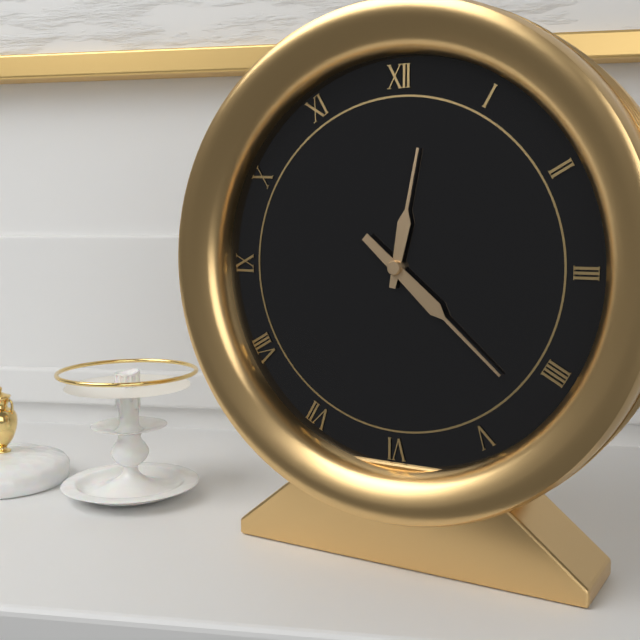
**12:22**
